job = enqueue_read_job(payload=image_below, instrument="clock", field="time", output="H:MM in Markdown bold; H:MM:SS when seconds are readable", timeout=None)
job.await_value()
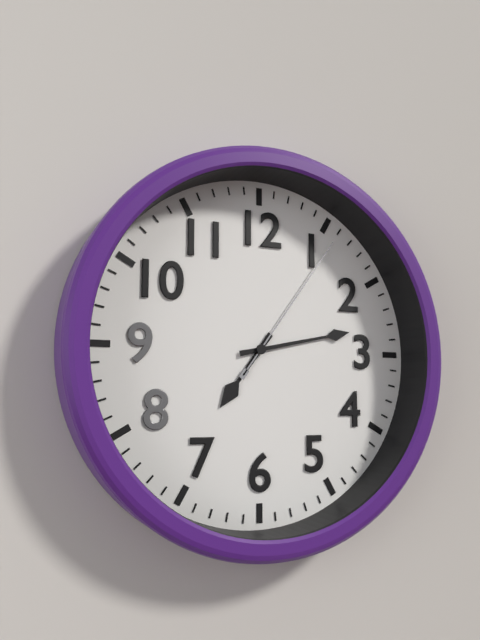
**7:13:06**
